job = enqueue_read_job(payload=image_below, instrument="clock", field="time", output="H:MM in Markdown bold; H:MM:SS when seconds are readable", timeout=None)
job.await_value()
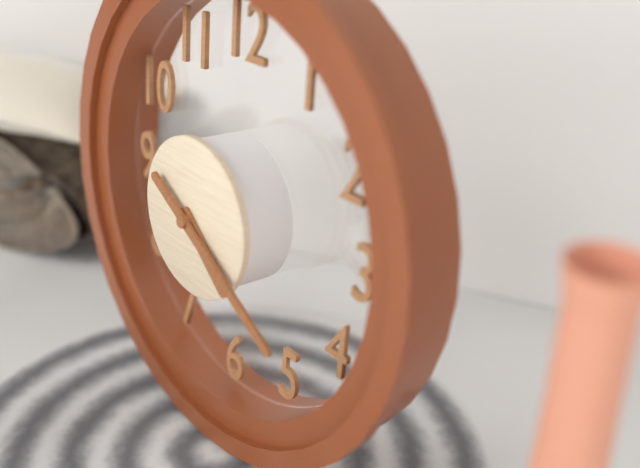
**4:20**
